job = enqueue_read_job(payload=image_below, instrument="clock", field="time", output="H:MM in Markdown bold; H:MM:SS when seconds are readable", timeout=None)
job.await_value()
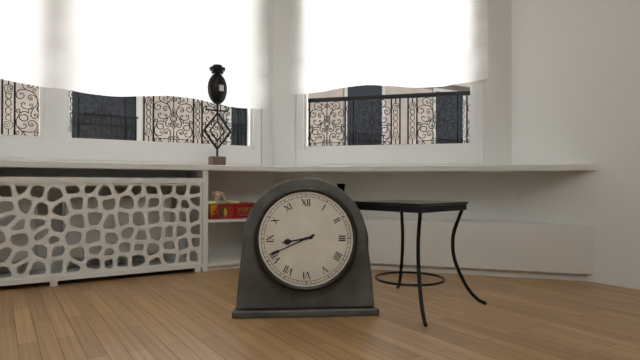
**8:41**
